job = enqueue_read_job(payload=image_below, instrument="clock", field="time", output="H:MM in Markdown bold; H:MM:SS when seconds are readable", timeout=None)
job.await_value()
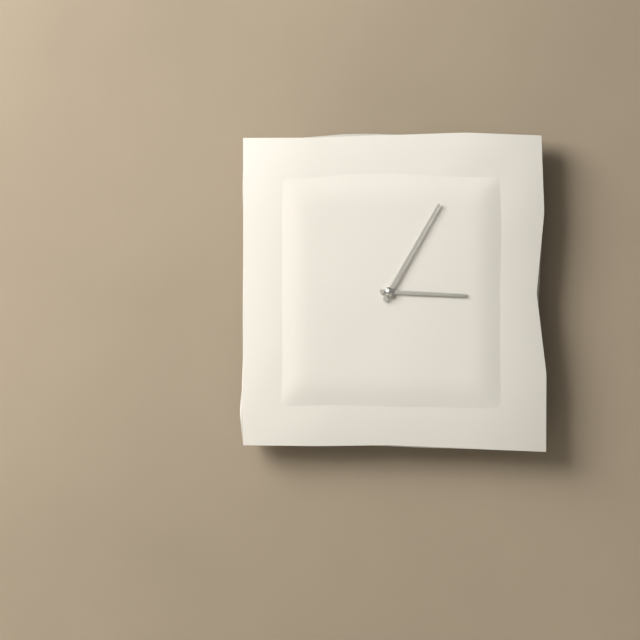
**3:05**
